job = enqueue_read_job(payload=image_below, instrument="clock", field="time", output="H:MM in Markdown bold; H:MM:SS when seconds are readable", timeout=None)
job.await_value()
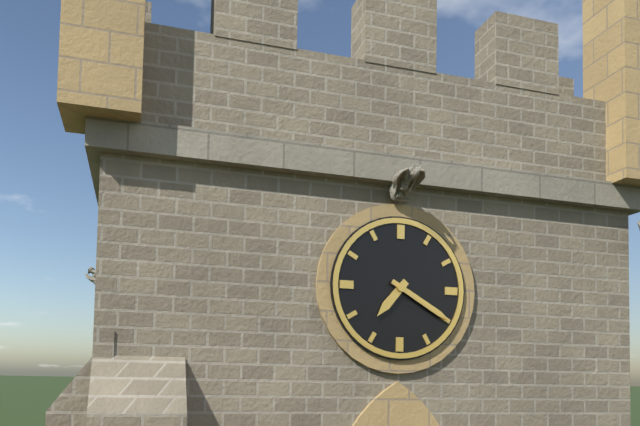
**7:20**
